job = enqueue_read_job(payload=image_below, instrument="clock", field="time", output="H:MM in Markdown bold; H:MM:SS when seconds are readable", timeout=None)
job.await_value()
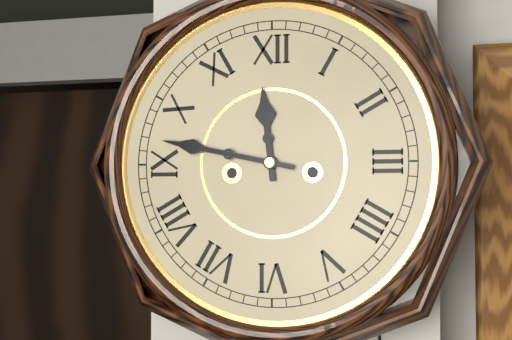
**11:47**
